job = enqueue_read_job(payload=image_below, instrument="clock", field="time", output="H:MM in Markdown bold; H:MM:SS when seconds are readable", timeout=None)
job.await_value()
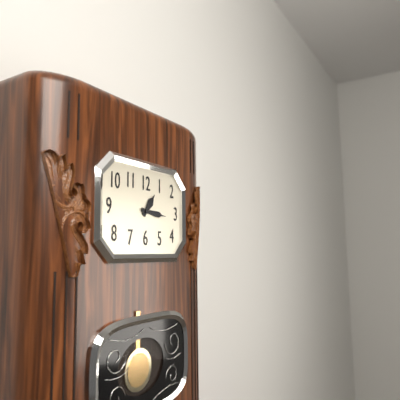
**1:16**
